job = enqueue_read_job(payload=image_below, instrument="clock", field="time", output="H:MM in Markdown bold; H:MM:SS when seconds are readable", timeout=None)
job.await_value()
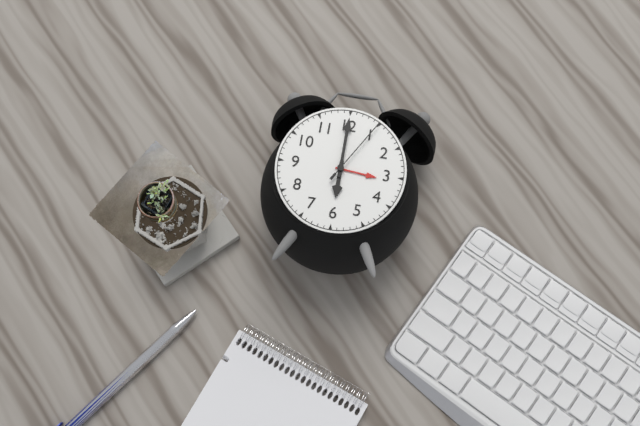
**6:00:05**
